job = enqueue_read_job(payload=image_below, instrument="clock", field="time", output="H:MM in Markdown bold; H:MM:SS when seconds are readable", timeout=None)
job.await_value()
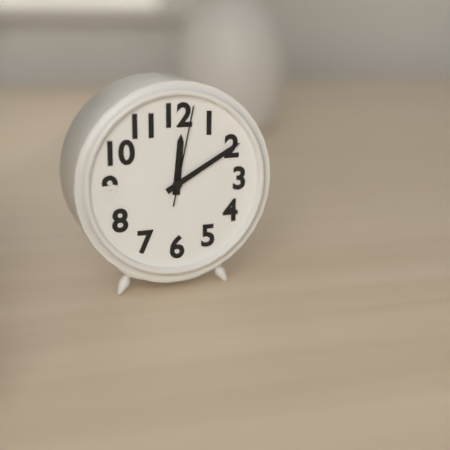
**12:10:02**
